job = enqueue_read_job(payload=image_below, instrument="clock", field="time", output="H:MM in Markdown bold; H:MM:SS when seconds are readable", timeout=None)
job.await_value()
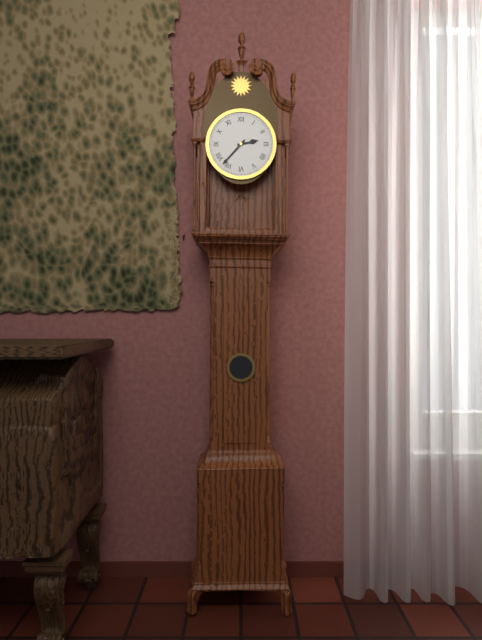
**2:37**
